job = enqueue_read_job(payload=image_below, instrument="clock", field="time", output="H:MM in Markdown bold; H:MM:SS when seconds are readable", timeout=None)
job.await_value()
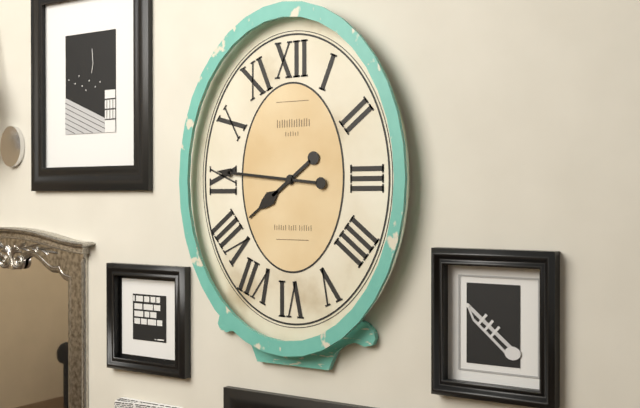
**7:46**
